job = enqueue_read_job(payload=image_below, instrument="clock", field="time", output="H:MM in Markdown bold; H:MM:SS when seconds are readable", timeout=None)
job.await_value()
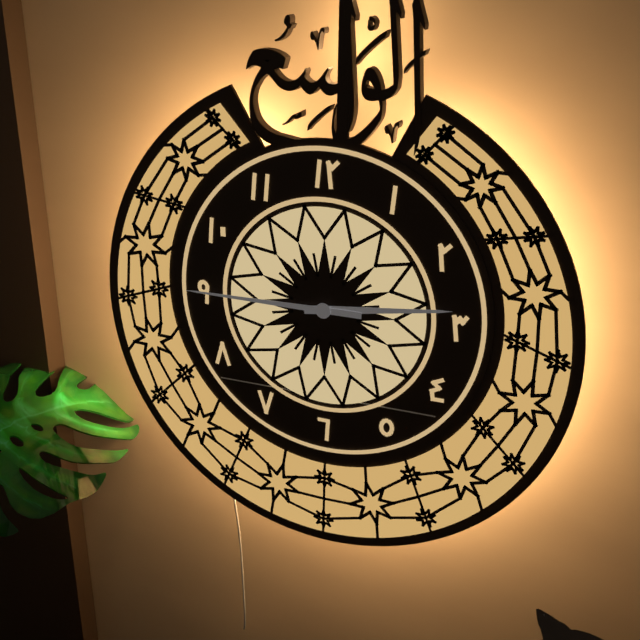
**2:45**
